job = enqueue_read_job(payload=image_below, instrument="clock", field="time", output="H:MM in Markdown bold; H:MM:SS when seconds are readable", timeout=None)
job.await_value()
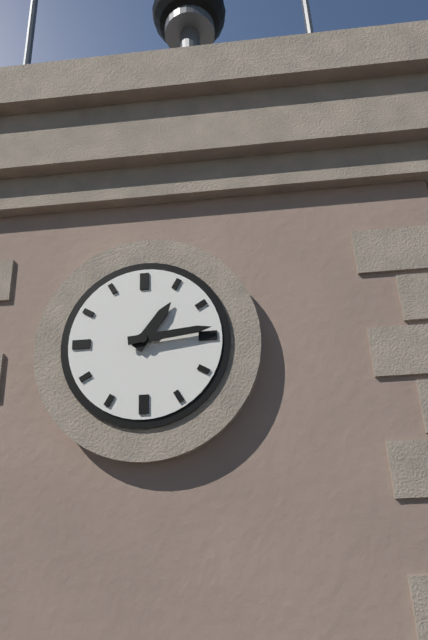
**1:14**
